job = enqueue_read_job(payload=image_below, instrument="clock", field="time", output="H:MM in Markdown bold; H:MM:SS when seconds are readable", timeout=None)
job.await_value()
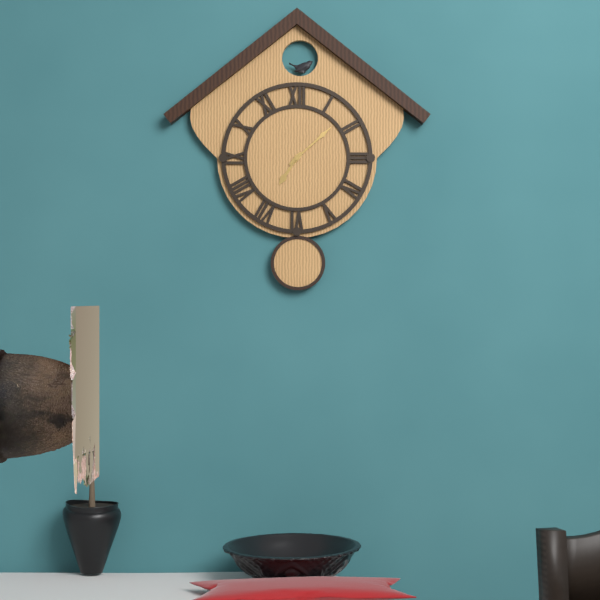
**7:08**
